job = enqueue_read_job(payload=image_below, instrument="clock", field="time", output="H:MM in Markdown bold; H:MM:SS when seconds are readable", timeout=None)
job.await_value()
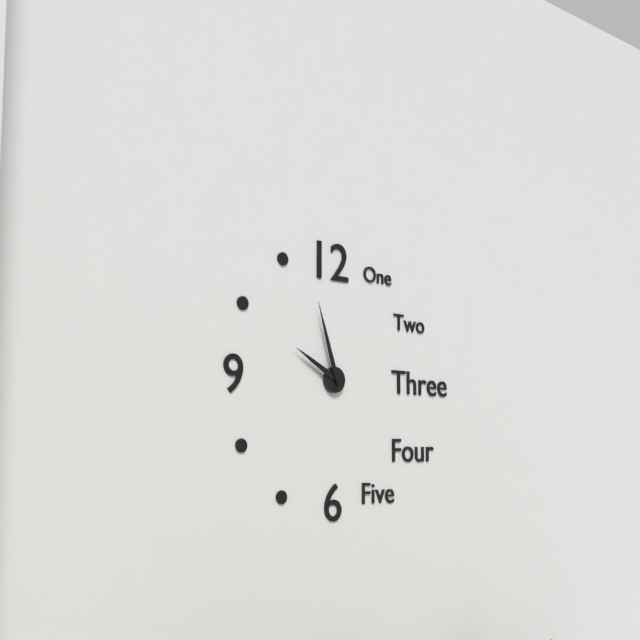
**9:57**
